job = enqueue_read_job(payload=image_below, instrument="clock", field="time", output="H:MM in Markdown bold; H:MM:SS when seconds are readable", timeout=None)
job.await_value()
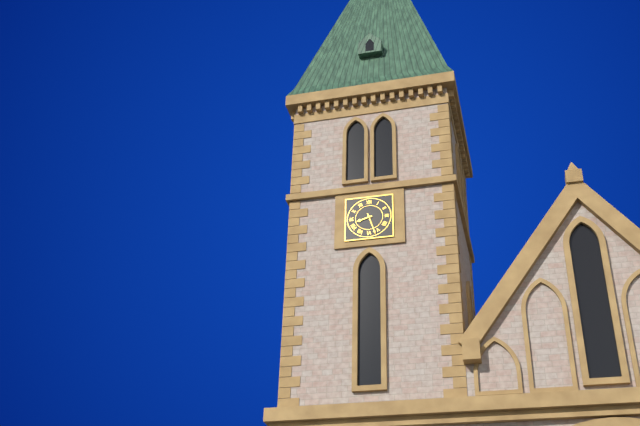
**8:27**
